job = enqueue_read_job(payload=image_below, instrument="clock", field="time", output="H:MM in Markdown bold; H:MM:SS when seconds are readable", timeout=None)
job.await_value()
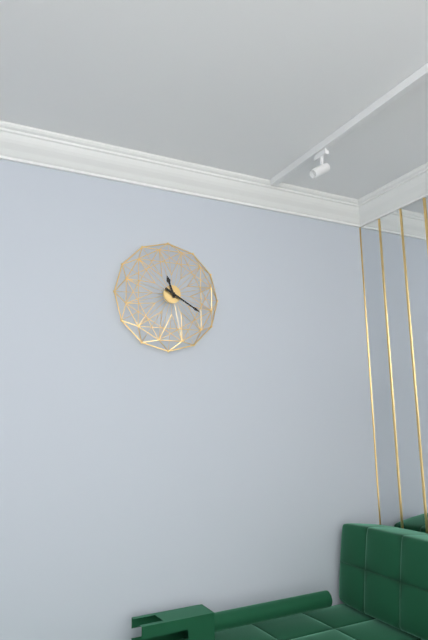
**11:20**
